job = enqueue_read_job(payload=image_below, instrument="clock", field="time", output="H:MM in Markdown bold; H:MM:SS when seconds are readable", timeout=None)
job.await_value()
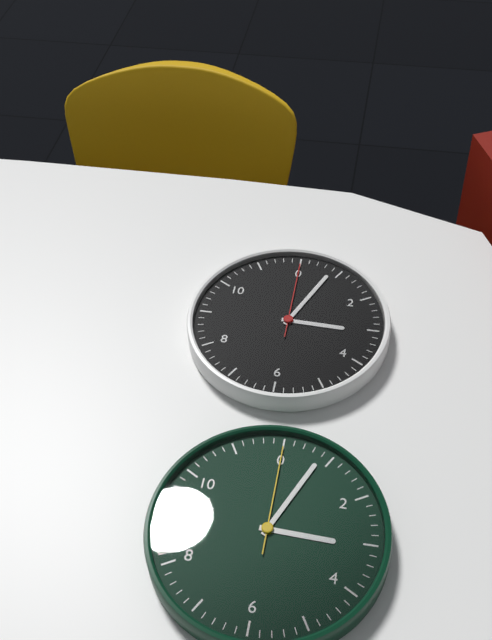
**3:04:00**
